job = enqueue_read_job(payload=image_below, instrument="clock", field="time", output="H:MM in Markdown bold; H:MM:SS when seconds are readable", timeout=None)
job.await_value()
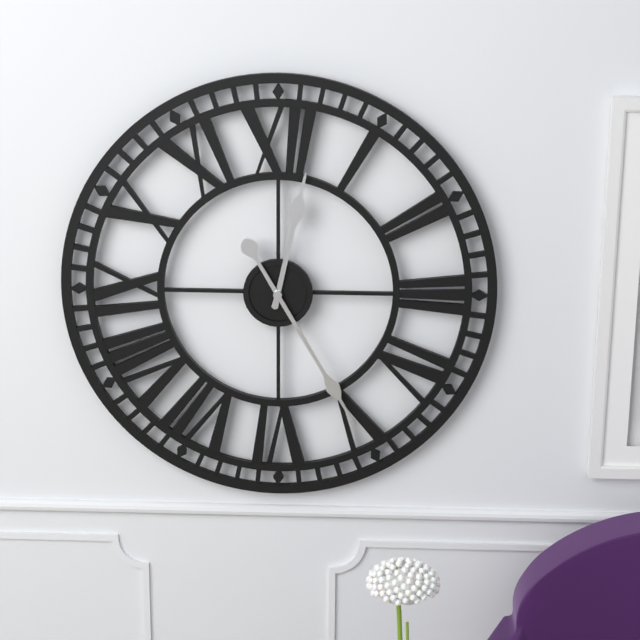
**12:25**
